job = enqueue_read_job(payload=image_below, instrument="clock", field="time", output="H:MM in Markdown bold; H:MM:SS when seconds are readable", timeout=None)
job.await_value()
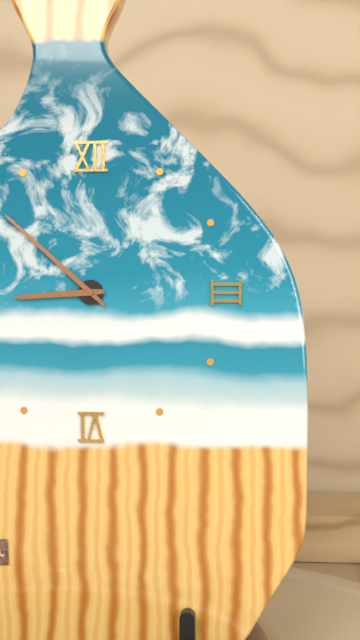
**8:52**
